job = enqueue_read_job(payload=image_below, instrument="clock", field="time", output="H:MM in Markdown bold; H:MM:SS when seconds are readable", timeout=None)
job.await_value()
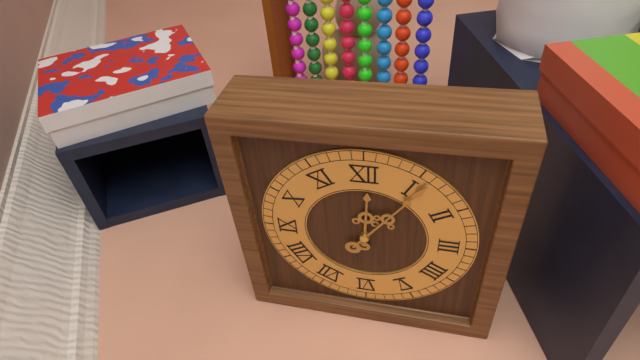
**12:06**
